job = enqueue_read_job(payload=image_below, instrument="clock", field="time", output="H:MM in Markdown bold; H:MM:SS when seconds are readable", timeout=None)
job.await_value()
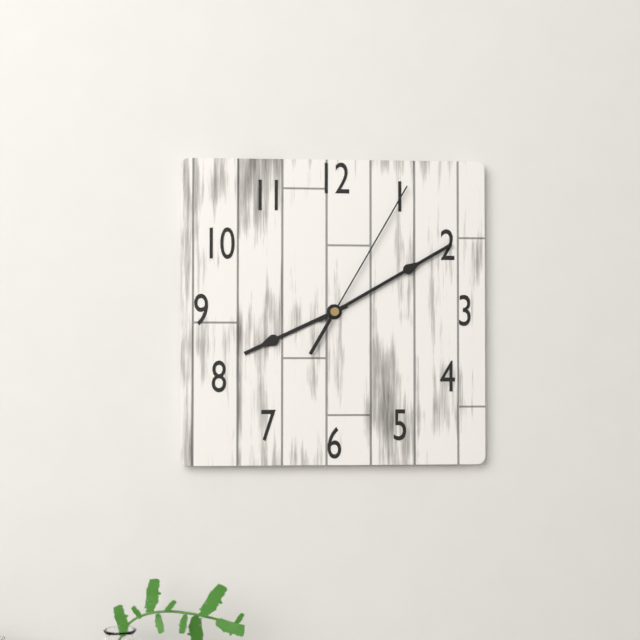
**8:10:05**
